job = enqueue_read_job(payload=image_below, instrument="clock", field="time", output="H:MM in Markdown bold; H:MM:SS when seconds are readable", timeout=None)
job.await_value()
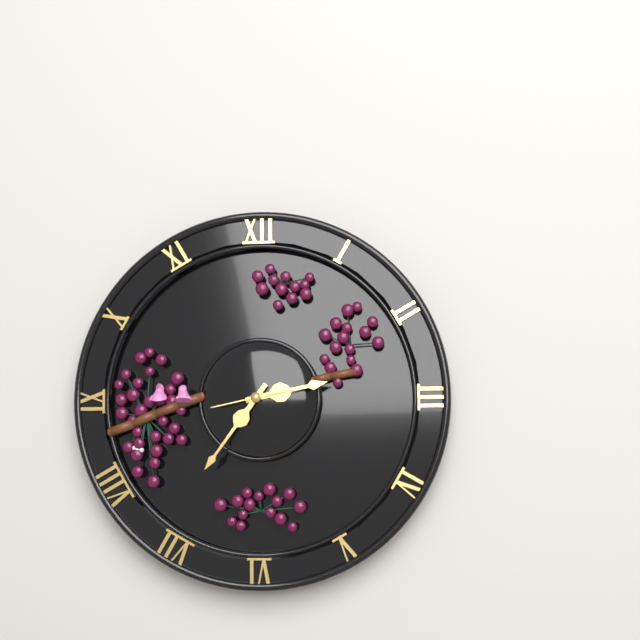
**2:36:43**
